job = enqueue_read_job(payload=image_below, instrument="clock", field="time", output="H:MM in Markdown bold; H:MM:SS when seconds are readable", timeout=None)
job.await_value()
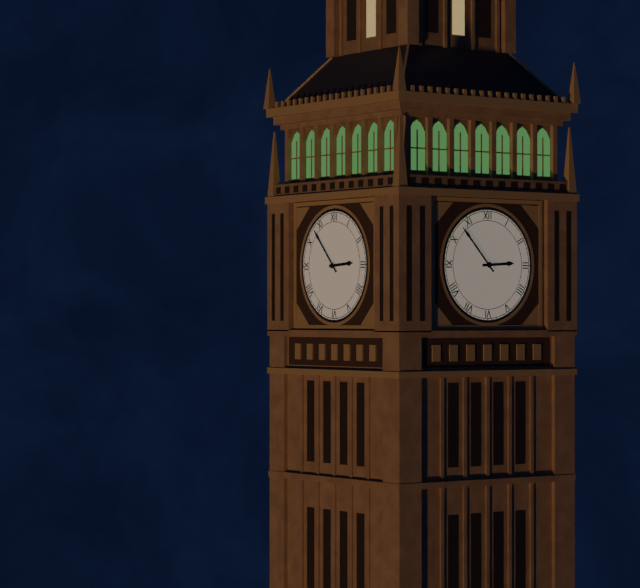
**2:53**
